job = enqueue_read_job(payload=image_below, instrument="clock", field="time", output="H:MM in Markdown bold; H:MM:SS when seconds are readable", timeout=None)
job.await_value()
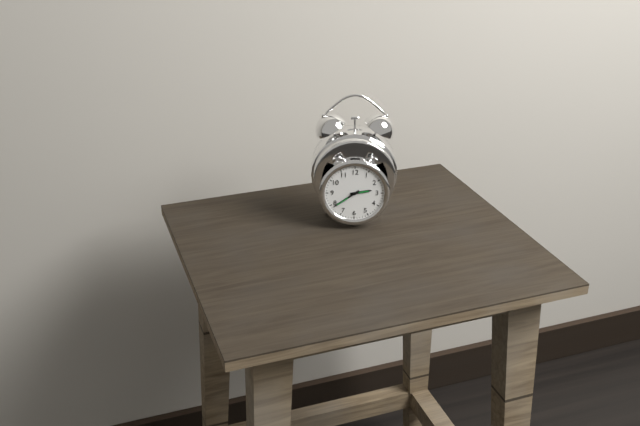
**2:39**
